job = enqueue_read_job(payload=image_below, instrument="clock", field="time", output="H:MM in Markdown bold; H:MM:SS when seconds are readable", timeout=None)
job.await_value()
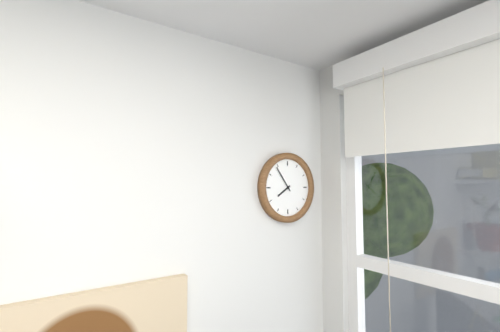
**7:54**
